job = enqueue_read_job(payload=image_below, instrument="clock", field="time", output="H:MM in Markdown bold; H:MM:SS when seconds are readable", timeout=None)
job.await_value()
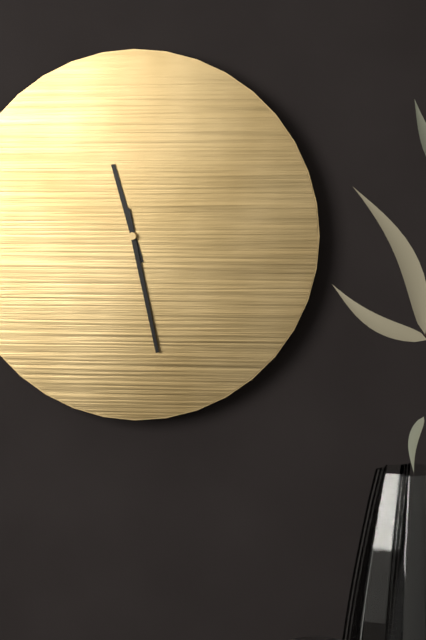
**11:28**
